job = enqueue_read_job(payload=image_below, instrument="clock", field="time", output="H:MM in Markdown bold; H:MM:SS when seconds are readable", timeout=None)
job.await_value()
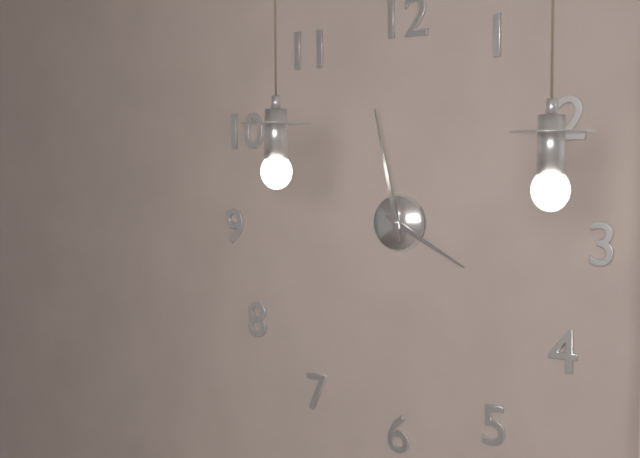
**3:58**
